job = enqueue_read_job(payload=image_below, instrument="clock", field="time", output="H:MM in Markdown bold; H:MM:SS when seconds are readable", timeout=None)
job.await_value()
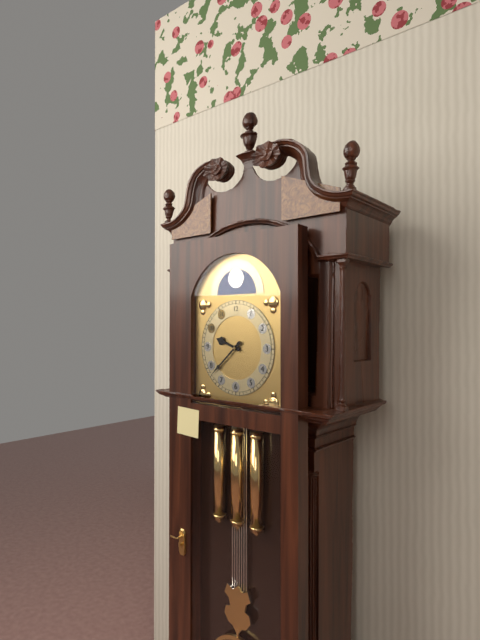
**9:38**
